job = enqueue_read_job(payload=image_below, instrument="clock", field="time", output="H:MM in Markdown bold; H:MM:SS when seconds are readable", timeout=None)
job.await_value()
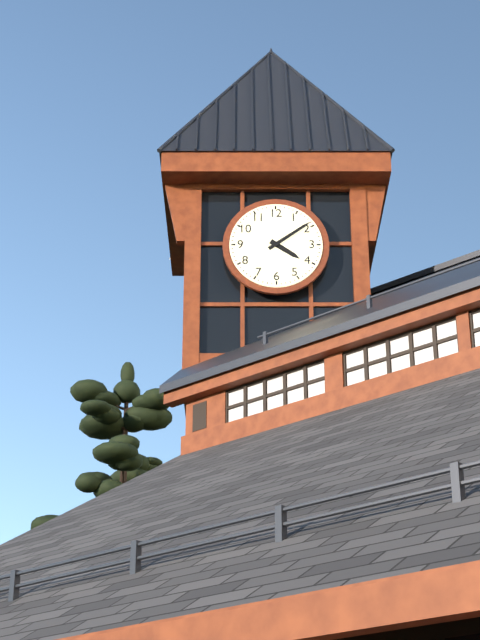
**4:09**
